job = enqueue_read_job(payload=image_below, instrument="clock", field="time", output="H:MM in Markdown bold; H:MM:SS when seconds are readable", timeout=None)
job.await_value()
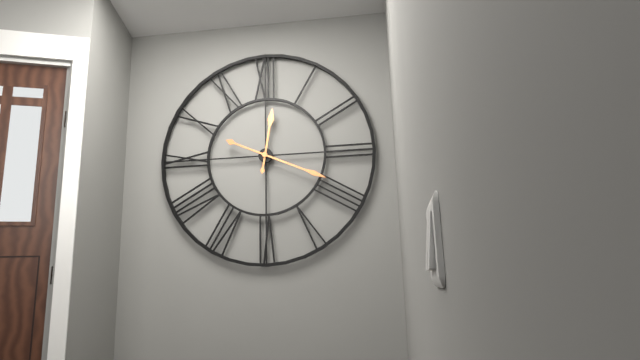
**12:19**
